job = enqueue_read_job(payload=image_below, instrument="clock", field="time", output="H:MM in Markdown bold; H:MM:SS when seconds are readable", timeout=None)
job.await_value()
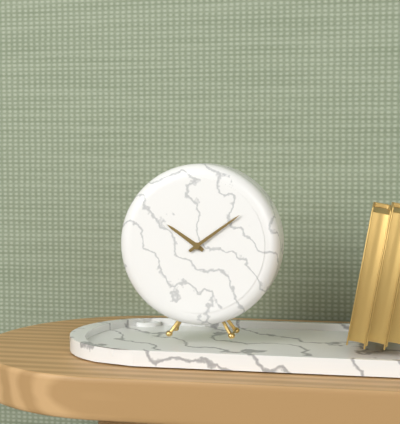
**10:09**
